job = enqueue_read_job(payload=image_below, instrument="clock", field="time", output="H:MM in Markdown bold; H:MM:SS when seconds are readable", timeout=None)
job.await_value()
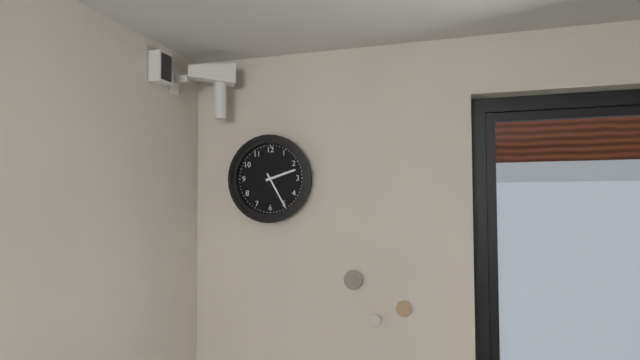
**2:25**
